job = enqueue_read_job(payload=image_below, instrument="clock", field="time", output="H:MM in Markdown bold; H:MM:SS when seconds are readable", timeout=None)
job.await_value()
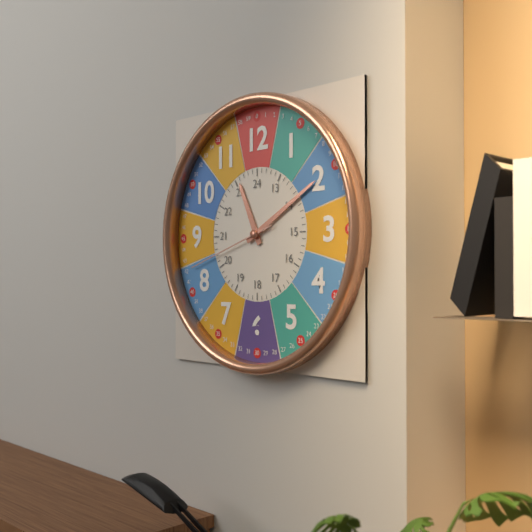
**11:10:42**
